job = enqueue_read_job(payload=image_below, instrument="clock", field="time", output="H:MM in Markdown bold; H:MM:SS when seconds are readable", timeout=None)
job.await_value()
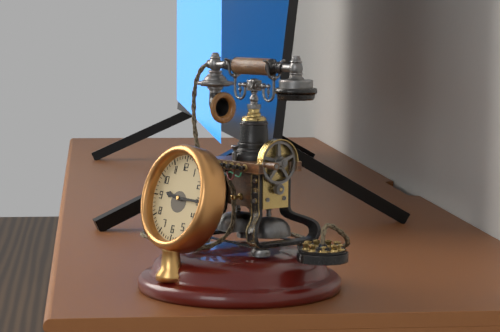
**9:15**
